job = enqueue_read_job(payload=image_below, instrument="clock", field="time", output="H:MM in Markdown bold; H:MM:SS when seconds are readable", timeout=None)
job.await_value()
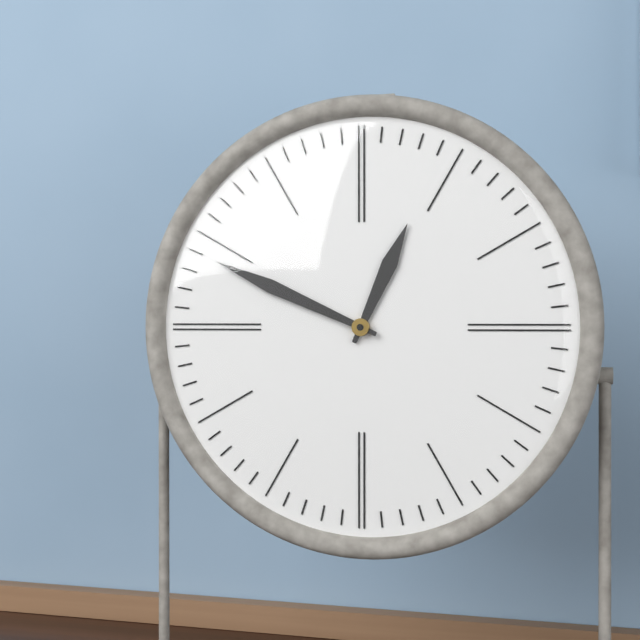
**12:49**
